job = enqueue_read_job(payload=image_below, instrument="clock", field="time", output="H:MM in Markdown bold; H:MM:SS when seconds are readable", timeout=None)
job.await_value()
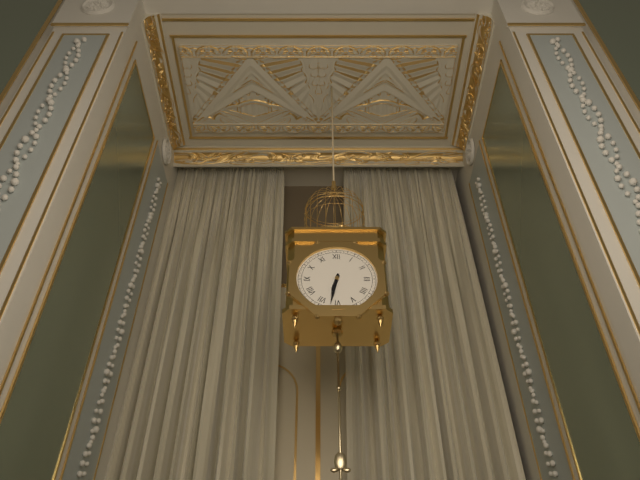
**6:32**
